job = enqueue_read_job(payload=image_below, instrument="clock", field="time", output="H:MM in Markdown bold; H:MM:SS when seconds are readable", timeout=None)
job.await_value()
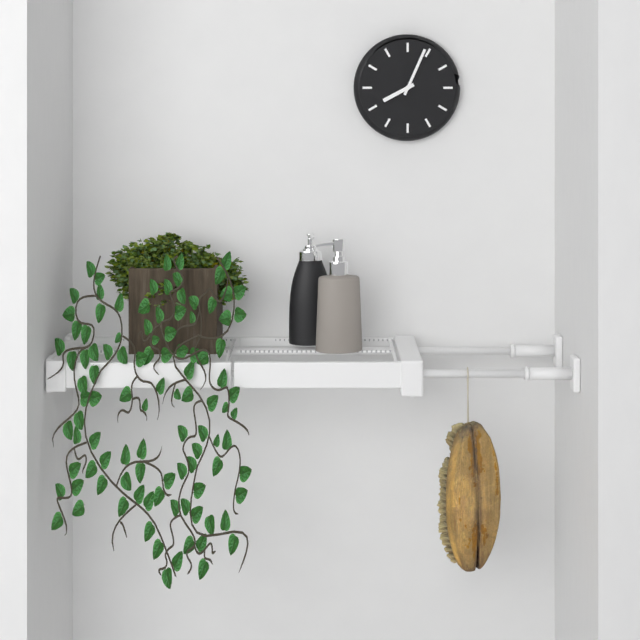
**8:04**
